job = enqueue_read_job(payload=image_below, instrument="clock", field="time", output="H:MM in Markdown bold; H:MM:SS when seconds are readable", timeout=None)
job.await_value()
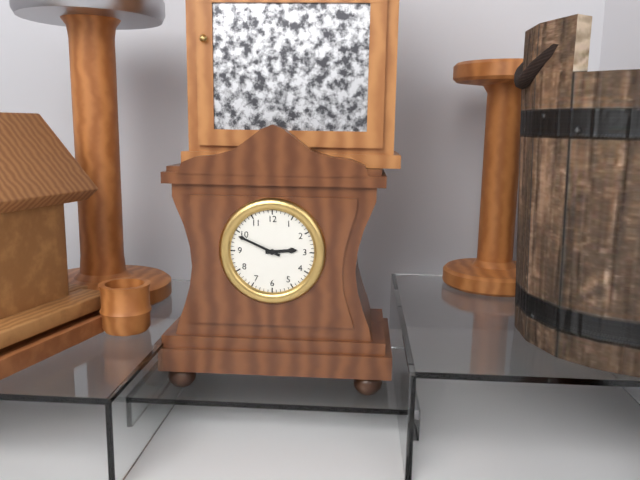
**2:49**
